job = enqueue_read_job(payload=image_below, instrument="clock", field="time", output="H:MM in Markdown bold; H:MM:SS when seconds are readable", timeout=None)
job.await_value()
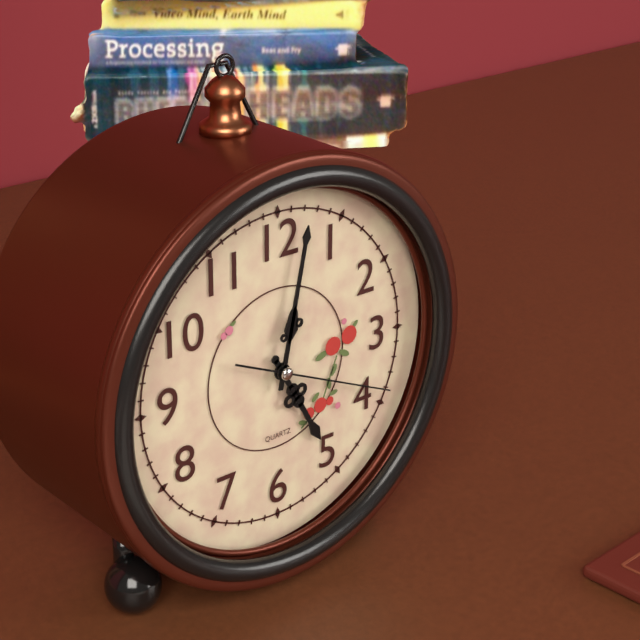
**5:02:19**
